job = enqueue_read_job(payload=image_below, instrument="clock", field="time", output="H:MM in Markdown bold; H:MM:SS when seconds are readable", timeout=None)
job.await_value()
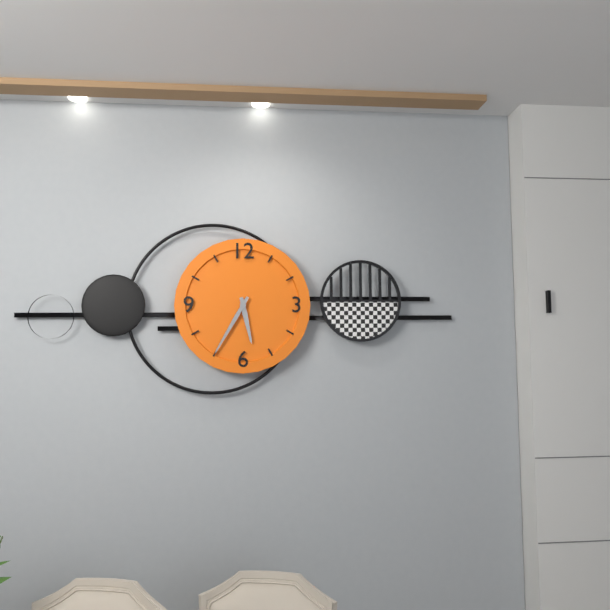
**5:35**
